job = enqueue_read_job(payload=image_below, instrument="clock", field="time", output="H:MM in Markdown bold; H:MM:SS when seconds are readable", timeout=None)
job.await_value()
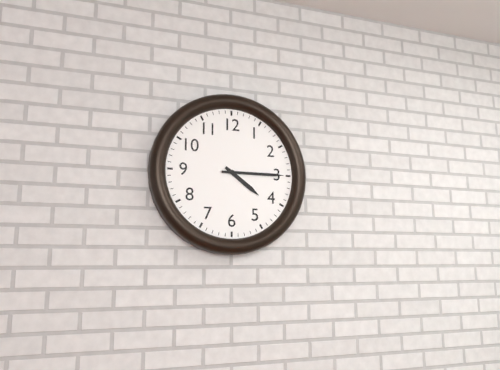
**4:15**
